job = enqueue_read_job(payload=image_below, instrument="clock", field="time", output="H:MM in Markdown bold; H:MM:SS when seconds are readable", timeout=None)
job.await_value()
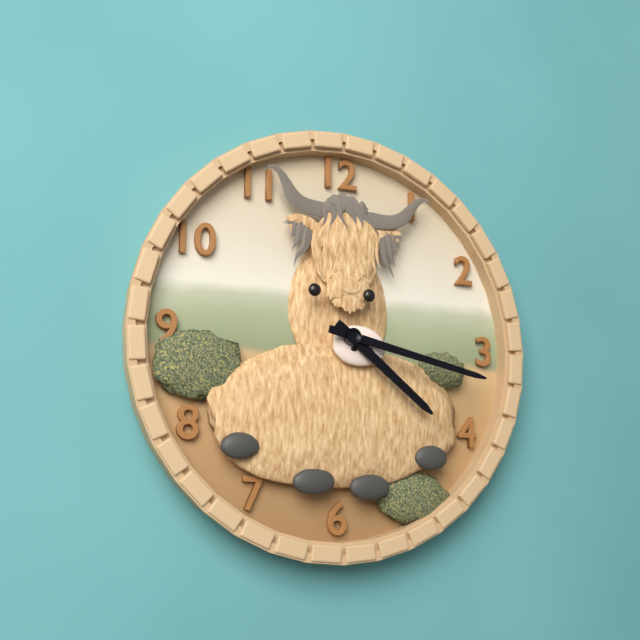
**4:17**
